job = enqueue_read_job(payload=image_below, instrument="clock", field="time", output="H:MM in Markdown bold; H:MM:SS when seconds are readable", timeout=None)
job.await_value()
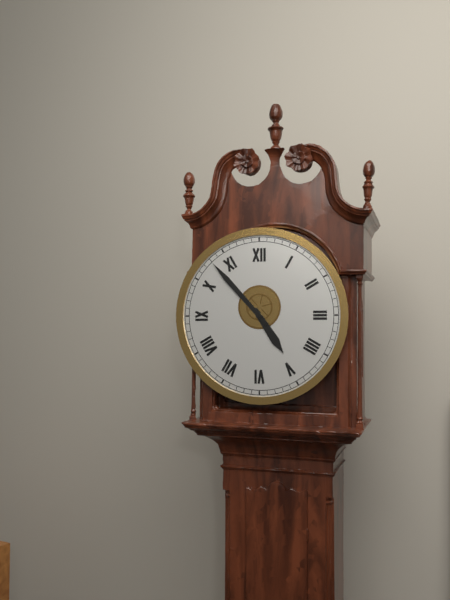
**4:53**
